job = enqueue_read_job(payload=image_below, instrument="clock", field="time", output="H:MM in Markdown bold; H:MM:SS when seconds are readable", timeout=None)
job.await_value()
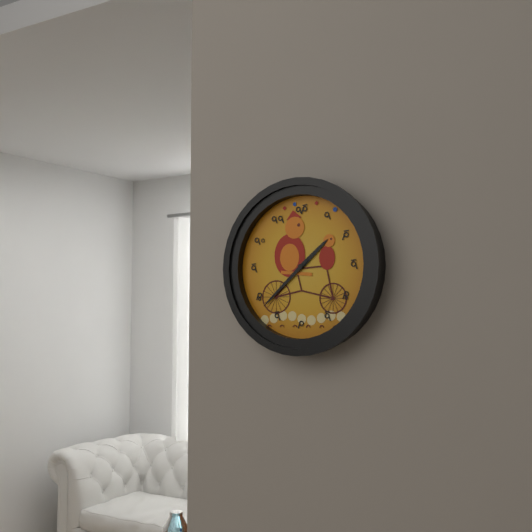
**1:38**
